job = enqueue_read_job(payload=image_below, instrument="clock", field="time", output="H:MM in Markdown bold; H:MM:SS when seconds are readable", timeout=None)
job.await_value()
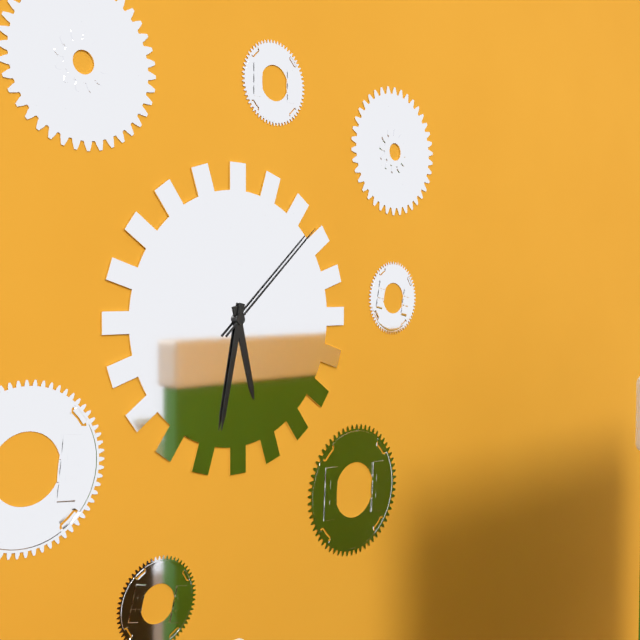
**5:32:08**
